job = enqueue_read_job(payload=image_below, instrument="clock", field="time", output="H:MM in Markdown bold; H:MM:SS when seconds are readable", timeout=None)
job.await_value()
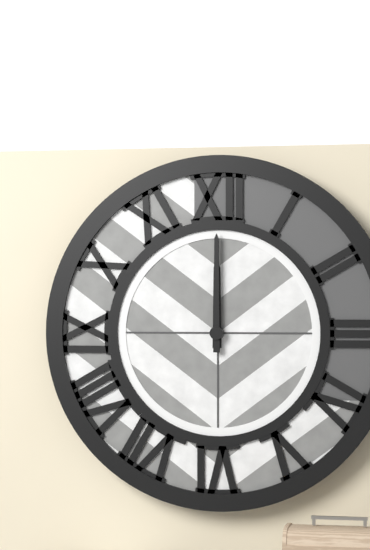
**12:00**
